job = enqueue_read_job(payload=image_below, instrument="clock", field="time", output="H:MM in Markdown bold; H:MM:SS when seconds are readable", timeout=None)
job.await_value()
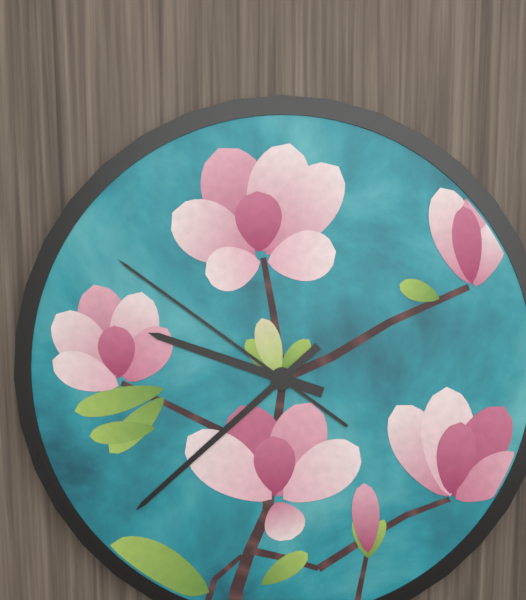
**9:38:51**
